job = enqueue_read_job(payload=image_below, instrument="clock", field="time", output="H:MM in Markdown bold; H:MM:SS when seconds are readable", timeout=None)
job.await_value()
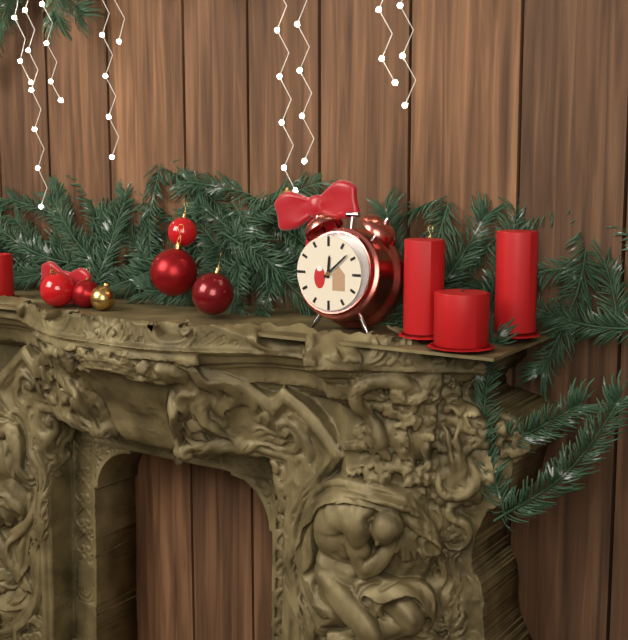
**12:08**
